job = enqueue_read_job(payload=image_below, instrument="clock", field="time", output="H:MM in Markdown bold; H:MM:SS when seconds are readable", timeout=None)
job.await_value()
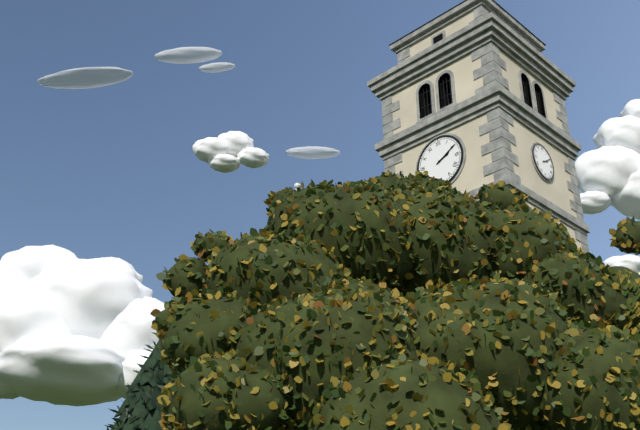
**2:10**
